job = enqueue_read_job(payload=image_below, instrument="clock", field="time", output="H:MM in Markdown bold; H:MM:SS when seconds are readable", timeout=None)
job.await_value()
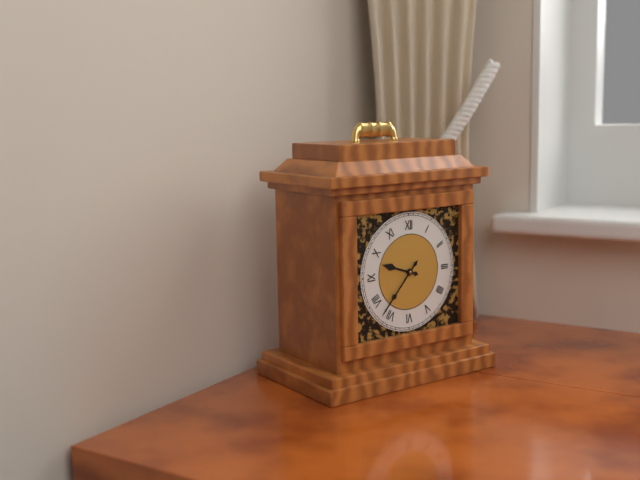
**9:37**
